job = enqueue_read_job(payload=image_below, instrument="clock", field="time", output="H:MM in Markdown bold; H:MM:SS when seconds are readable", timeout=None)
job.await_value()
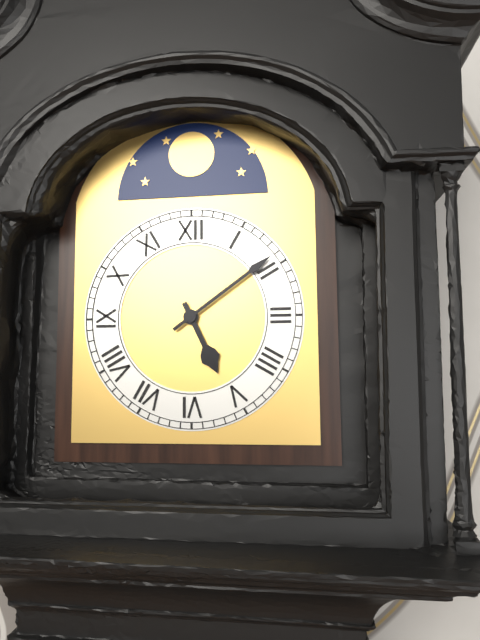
**5:09**
